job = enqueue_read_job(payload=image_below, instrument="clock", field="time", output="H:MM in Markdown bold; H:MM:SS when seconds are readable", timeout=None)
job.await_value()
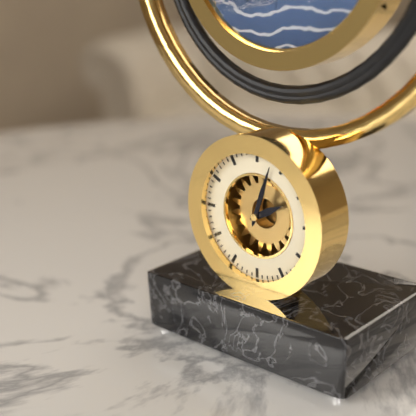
**2:03**
